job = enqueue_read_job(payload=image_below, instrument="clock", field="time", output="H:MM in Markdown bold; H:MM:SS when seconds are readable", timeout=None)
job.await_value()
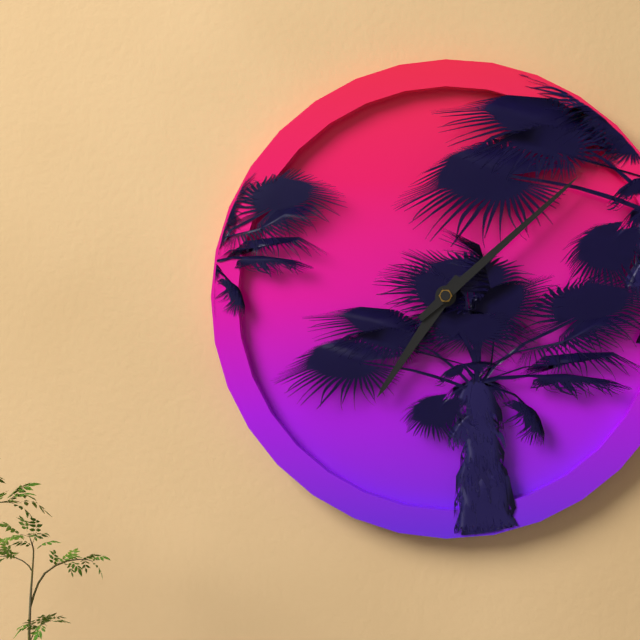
**7:08**
